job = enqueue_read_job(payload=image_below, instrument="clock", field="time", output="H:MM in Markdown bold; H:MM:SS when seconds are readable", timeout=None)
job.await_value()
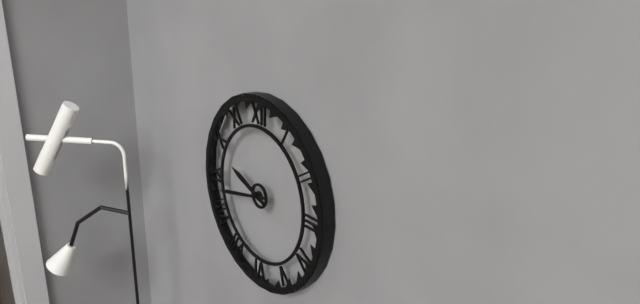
**9:43**
